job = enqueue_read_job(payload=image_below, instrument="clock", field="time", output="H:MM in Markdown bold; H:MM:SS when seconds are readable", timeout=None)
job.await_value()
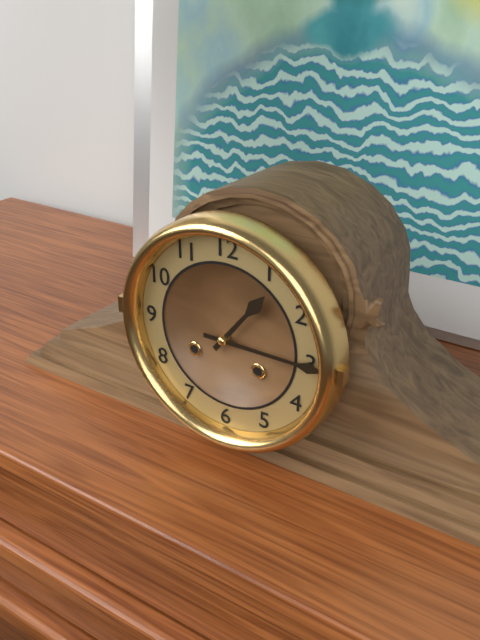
**1:15**
